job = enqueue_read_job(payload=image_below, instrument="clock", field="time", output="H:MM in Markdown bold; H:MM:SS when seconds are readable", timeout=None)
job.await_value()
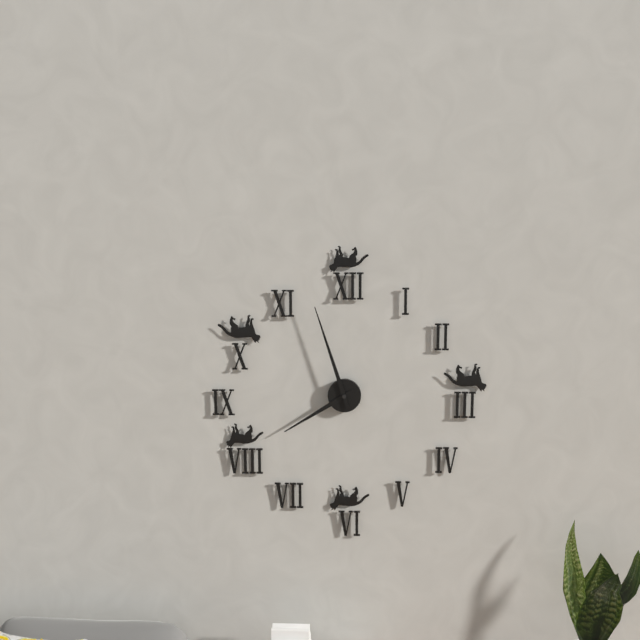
**7:57**
